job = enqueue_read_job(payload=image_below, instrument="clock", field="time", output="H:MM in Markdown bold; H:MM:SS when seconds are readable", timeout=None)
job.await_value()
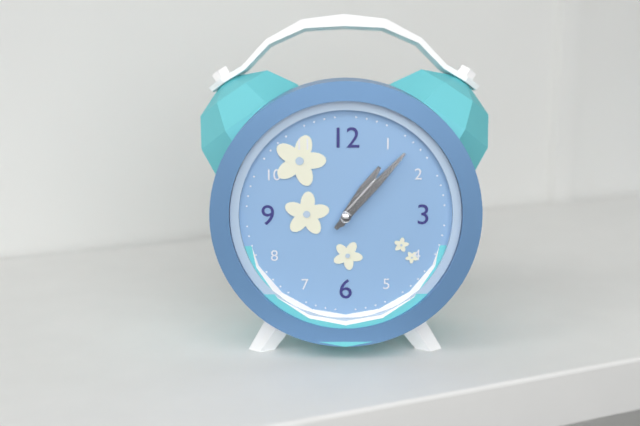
**1:07**
